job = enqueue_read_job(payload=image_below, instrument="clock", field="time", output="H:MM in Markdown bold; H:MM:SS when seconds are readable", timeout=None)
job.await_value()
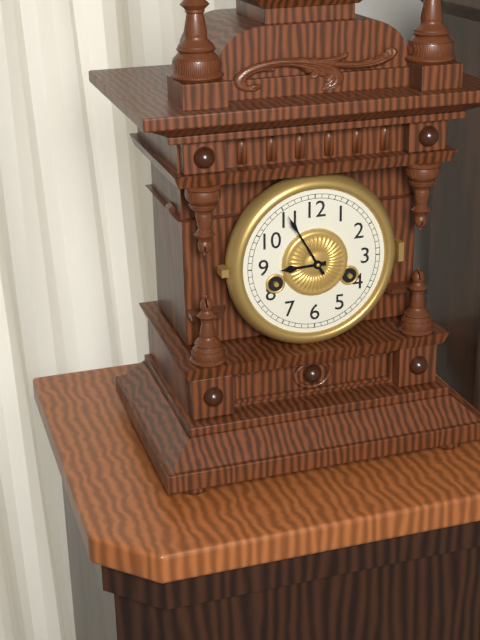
**8:55**
